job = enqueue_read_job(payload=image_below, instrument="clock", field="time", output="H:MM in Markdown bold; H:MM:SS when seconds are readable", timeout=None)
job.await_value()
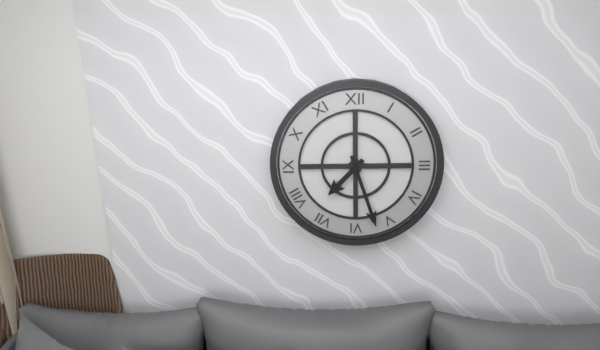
**7:27**
